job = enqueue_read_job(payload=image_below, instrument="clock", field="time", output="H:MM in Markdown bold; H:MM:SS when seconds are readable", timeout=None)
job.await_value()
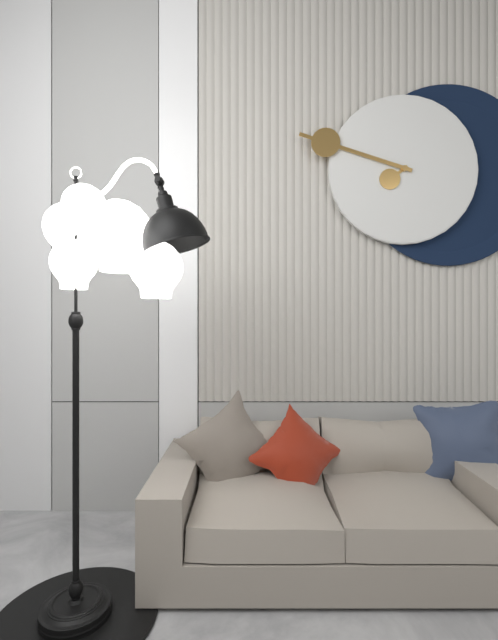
**7:48**
